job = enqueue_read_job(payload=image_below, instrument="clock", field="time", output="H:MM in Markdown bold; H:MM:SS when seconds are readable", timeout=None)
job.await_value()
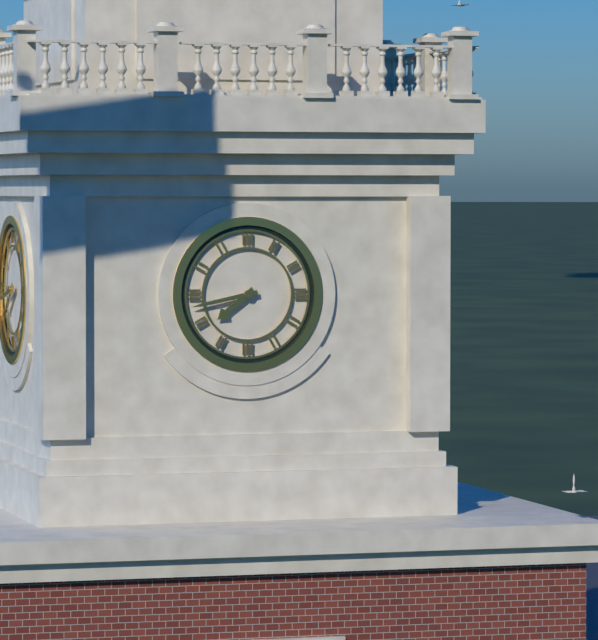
**7:43**
